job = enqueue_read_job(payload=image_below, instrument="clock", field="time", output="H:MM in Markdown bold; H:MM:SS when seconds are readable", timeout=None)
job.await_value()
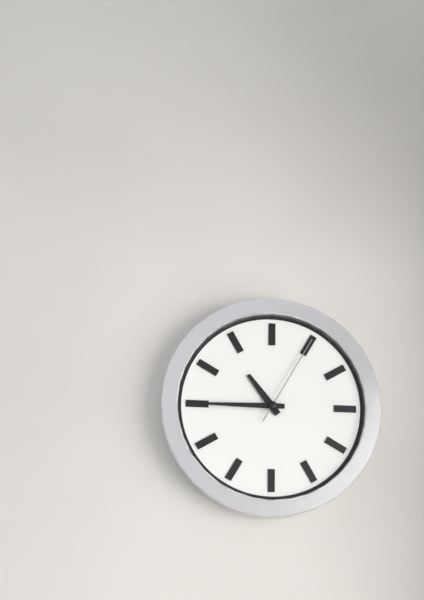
**10:45:05**
